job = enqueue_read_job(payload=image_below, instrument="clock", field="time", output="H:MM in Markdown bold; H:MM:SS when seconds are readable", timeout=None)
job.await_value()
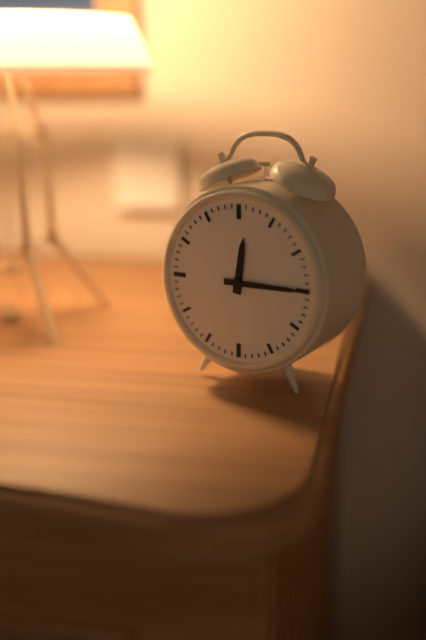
**12:15**
